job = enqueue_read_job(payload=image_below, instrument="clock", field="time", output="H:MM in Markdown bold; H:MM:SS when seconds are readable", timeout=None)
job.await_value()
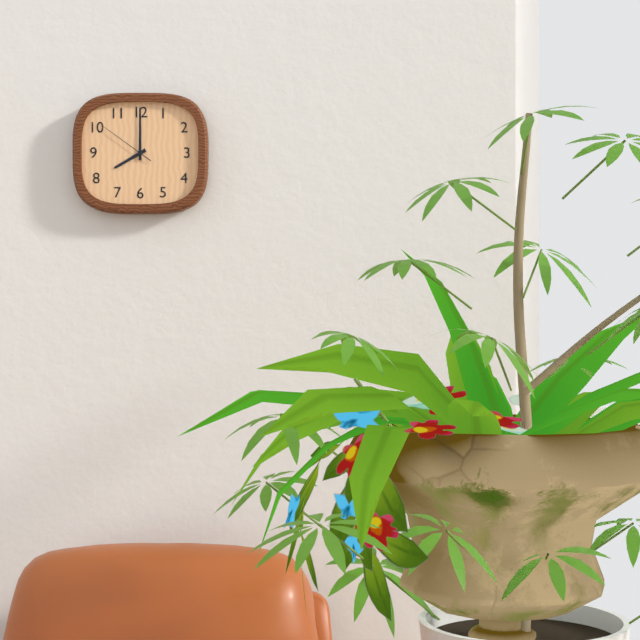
**8:00:51**
